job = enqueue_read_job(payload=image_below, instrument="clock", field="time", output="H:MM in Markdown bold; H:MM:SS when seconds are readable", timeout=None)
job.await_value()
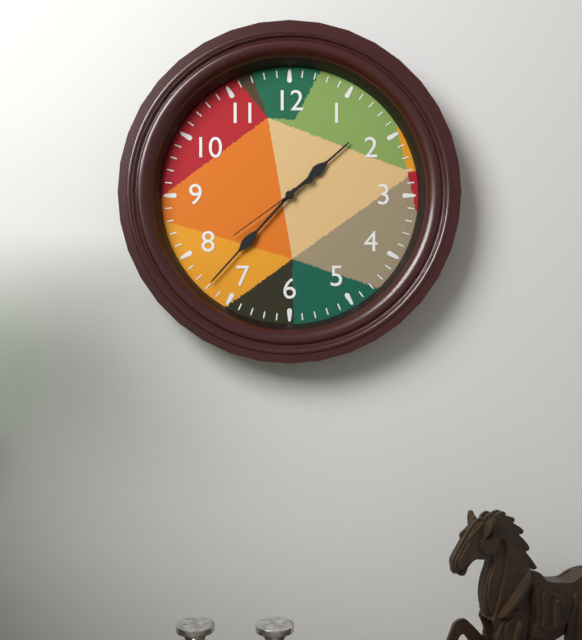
**1:37:39**
